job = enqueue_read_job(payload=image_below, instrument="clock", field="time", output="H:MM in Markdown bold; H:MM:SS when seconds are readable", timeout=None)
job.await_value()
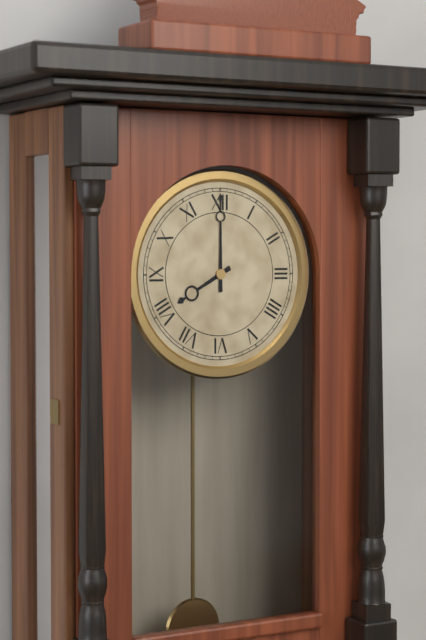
**8:00**
